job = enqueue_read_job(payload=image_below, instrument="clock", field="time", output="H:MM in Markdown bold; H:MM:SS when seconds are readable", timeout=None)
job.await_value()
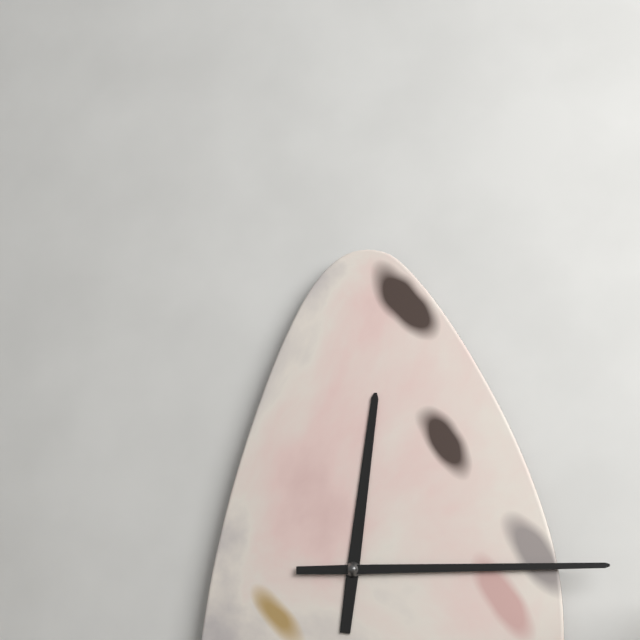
**12:15**
